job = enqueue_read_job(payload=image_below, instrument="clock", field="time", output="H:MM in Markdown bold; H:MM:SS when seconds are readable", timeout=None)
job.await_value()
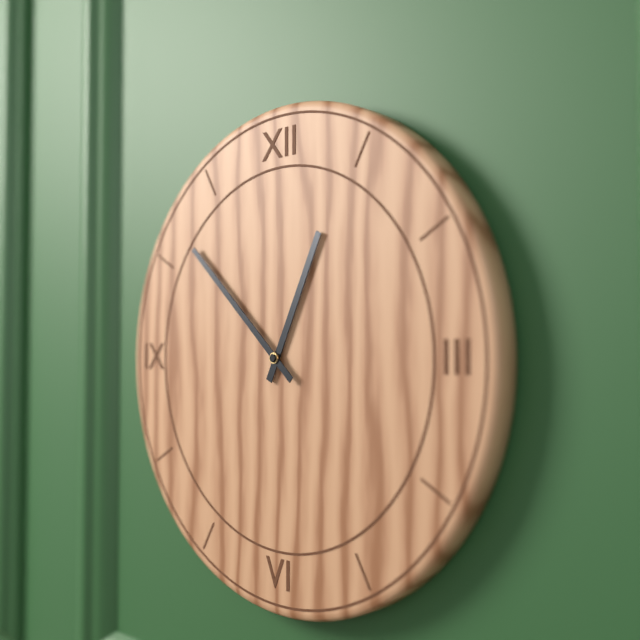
**12:52**
